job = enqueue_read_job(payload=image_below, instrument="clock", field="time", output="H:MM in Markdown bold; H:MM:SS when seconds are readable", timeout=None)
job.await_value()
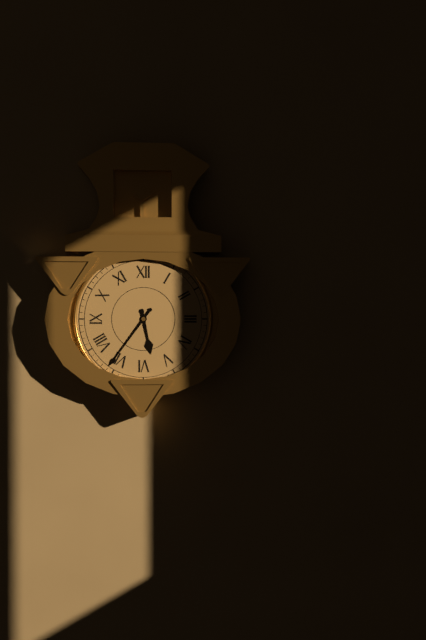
**5:36**
